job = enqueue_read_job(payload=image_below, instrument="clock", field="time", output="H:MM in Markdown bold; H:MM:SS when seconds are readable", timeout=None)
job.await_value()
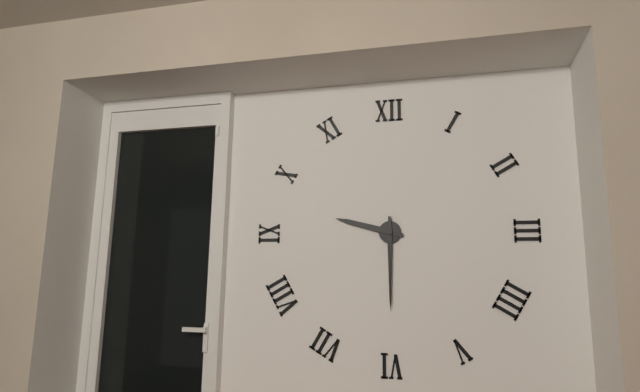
**9:30**
